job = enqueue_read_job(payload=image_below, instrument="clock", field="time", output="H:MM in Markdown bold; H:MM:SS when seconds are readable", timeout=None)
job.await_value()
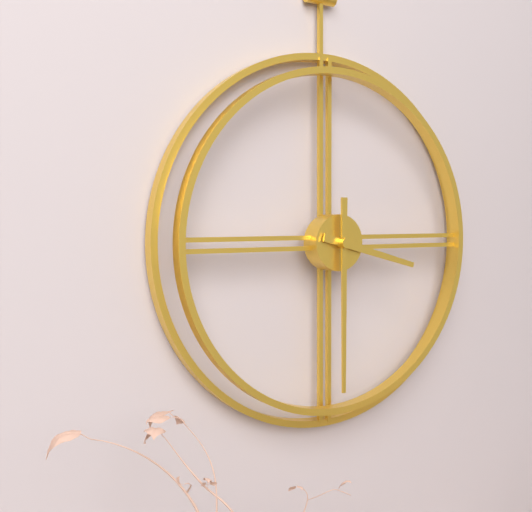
**3:30**
